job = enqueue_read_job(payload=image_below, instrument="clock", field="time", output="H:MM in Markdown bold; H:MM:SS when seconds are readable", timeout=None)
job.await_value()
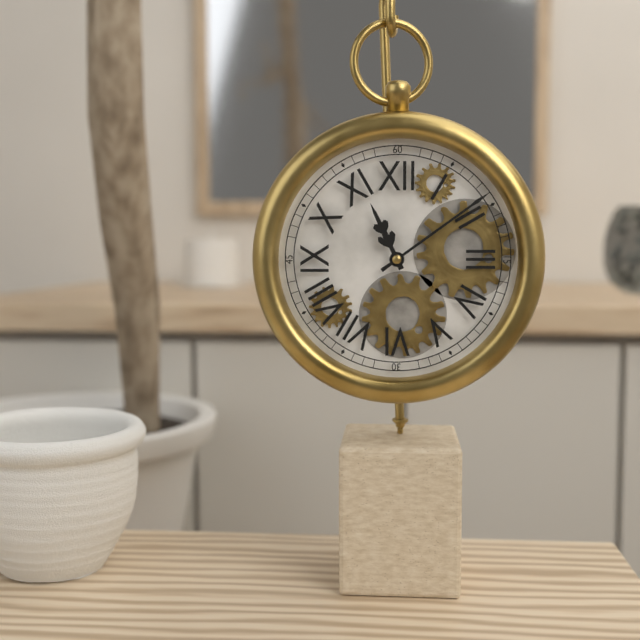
**11:09**
